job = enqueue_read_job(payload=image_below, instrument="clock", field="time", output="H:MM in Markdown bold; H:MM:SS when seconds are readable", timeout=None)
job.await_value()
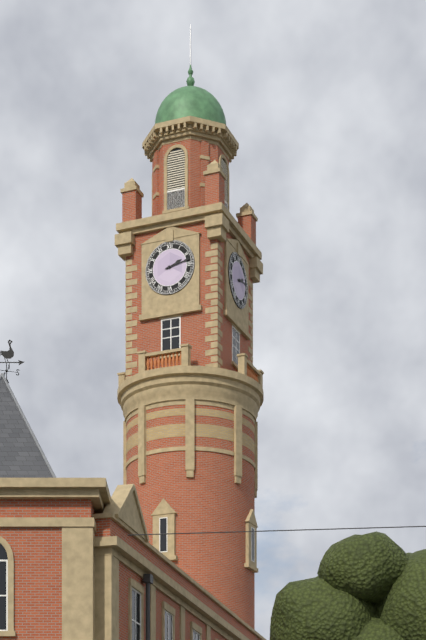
**2:13**
